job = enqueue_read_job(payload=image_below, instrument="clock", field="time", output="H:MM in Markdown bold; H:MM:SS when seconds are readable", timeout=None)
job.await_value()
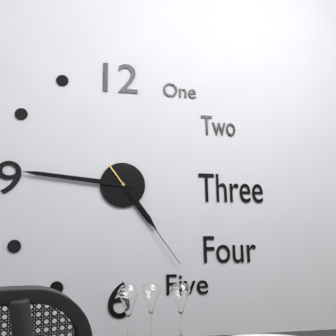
**4:46:24**
